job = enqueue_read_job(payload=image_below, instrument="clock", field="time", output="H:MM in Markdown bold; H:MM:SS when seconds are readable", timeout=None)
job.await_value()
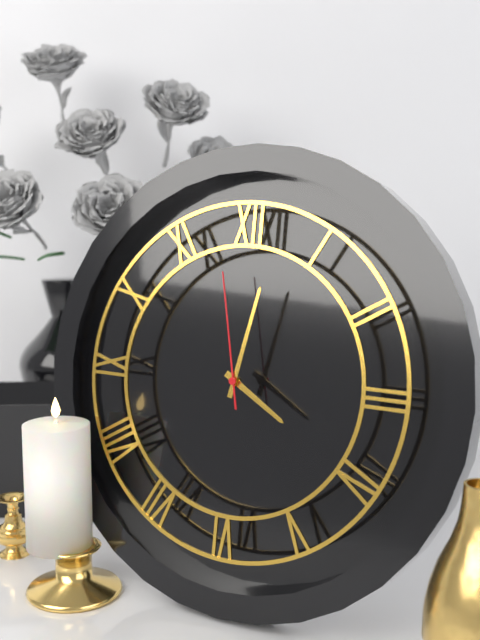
**4:02:58**
